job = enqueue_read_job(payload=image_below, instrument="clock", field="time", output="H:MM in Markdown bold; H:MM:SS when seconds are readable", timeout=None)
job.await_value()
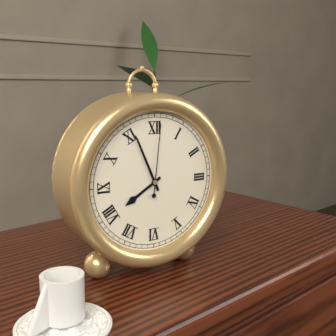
**7:56:01**
